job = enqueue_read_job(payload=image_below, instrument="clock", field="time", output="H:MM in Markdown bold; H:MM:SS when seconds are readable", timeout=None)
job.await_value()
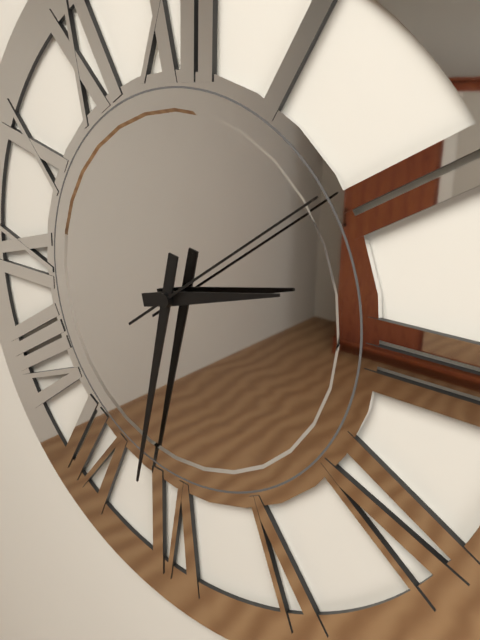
**2:32:09**
